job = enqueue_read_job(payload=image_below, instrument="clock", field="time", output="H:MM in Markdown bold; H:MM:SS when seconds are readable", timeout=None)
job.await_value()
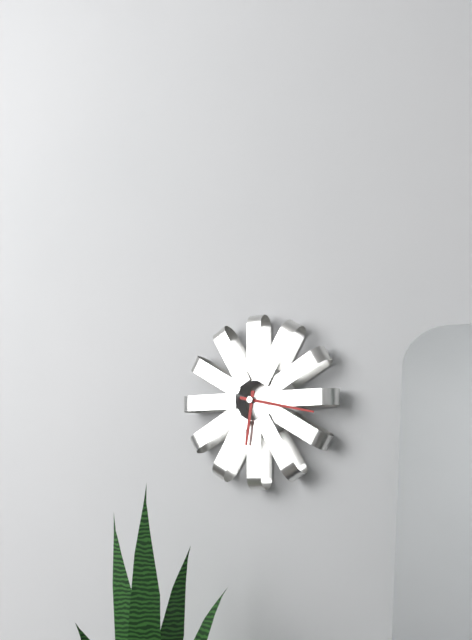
**6:17**
